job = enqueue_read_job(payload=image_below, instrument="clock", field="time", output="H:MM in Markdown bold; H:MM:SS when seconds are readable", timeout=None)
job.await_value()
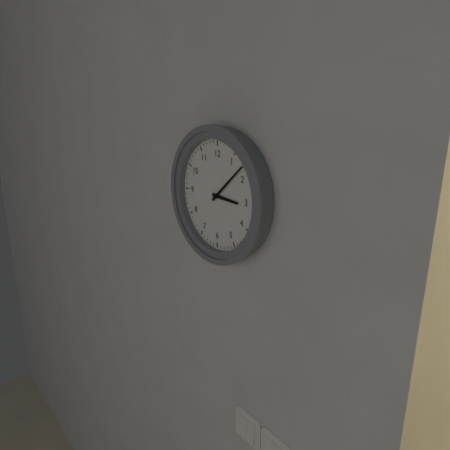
**3:08**
